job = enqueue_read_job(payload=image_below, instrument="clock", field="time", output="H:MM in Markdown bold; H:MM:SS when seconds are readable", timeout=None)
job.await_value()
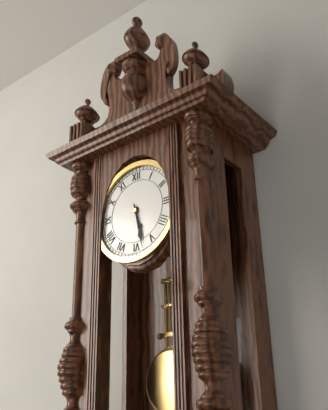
**5:28**
